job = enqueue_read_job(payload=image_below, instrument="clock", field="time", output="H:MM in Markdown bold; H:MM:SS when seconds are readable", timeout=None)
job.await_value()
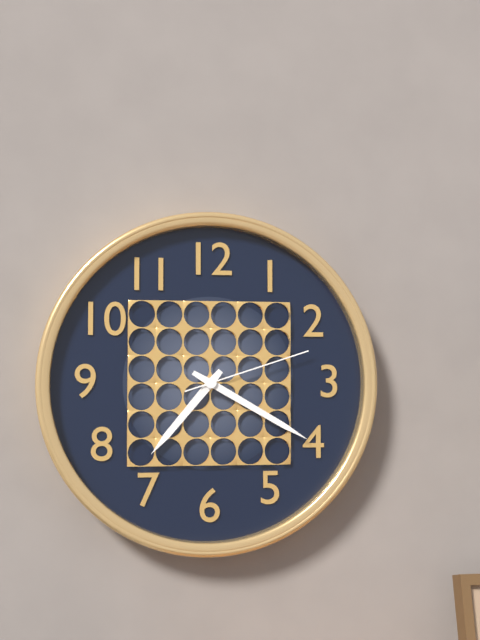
**7:20:12**
